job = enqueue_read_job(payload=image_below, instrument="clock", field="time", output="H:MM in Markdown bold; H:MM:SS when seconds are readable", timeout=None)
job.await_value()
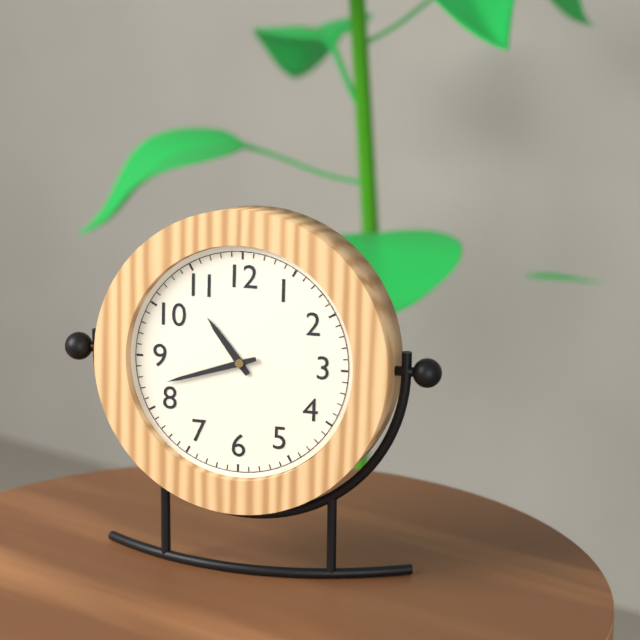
**10:42**
